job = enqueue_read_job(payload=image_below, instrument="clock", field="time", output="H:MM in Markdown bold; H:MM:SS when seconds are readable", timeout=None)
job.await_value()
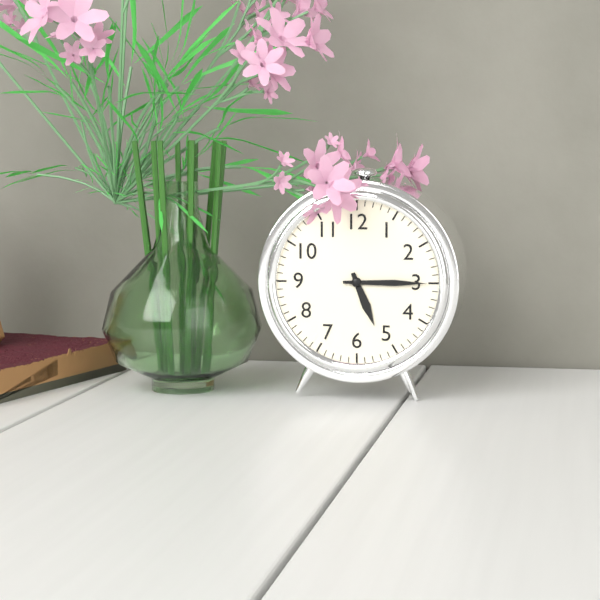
**5:15**
